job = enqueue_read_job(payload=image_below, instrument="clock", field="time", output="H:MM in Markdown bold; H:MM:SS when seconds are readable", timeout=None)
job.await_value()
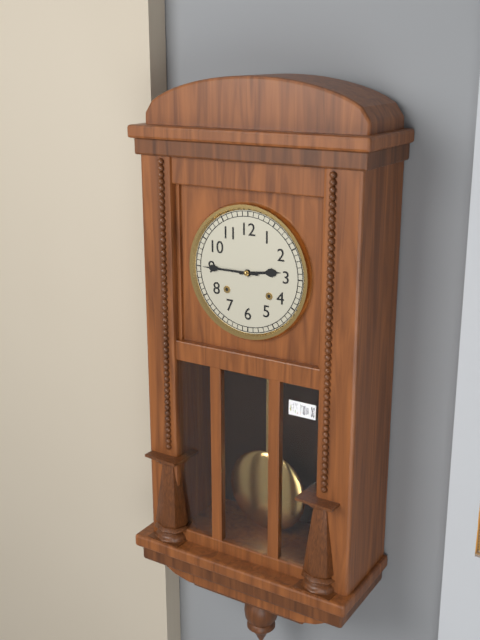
**2:45**
